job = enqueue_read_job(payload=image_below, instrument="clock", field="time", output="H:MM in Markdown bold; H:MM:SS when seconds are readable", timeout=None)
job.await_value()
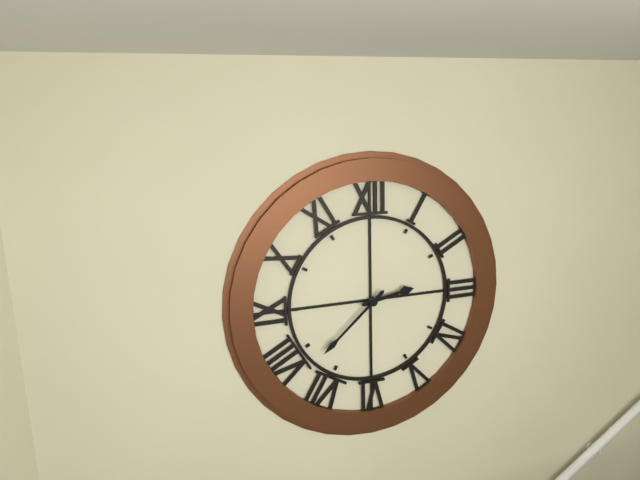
**2:38**
